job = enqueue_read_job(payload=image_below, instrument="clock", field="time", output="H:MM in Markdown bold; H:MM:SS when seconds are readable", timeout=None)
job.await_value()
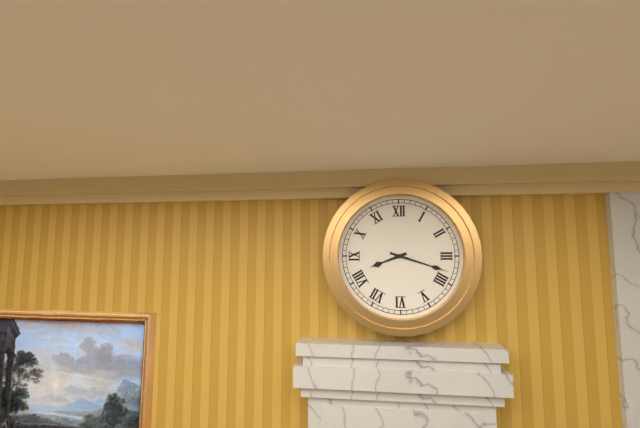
**8:18**
